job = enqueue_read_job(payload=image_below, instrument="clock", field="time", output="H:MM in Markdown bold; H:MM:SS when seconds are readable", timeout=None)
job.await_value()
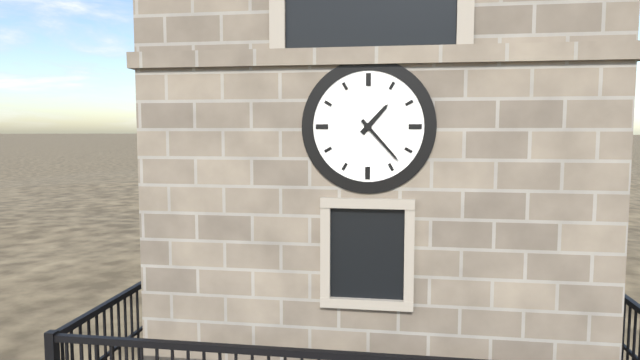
**1:23**
